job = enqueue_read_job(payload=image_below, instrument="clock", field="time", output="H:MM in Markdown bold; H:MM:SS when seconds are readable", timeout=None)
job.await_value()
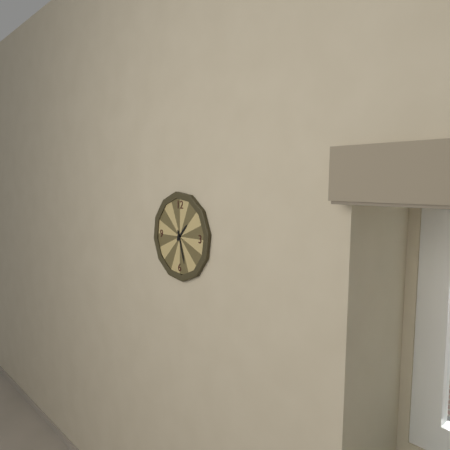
**1:27**
